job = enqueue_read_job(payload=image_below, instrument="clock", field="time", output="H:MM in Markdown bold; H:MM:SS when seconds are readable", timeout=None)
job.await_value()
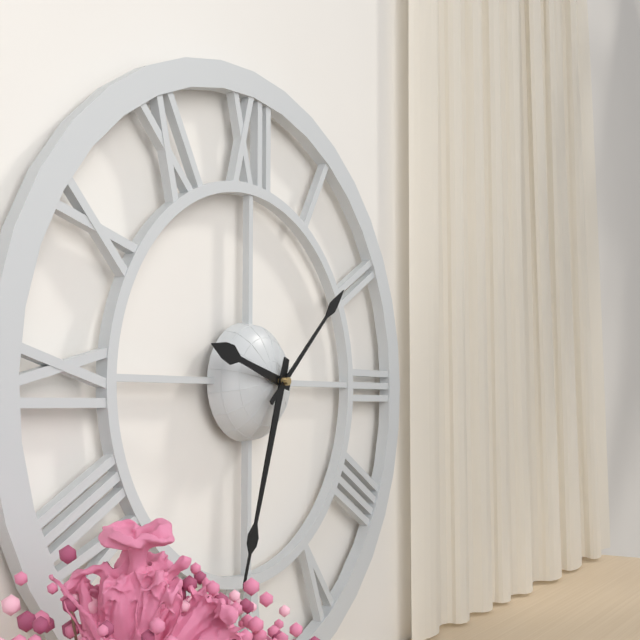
**9:33:08**
